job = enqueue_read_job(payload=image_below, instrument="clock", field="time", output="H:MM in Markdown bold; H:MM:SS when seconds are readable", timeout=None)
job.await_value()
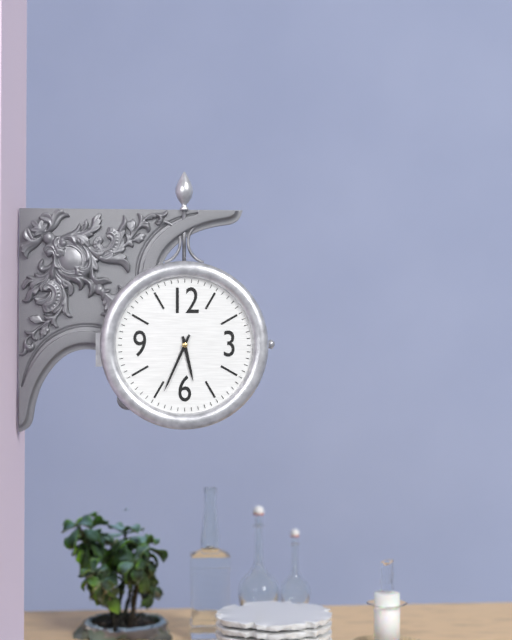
**5:34**
